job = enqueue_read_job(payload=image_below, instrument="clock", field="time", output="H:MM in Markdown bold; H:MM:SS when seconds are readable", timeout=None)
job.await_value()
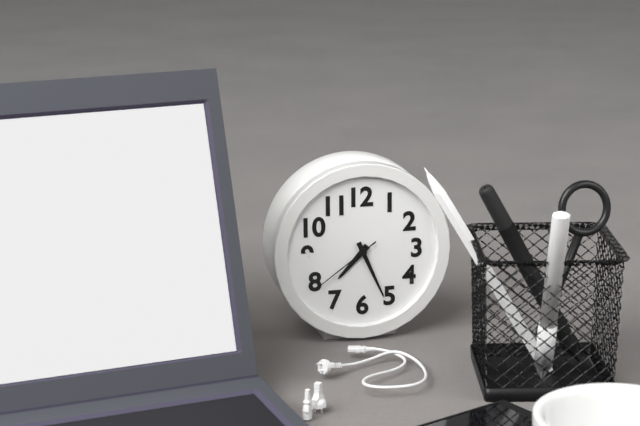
**7:26:39**
